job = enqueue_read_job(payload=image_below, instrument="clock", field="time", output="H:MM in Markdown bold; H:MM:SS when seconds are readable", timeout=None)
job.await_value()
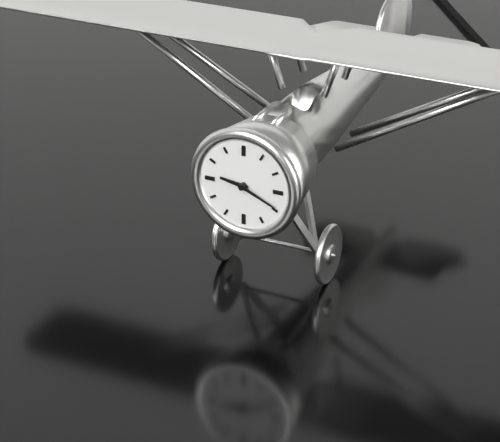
**9:19**
